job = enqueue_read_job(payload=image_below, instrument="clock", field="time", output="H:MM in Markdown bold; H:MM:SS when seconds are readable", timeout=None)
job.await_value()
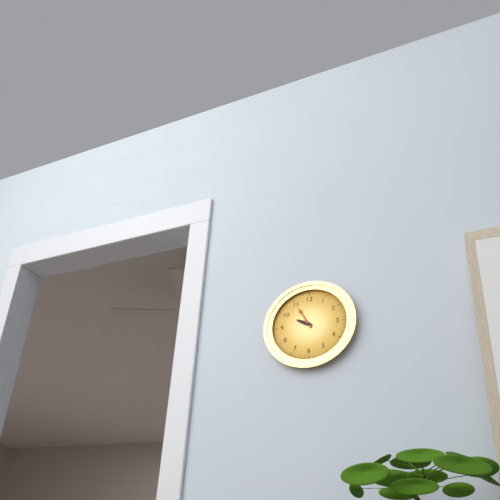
**9:55**
